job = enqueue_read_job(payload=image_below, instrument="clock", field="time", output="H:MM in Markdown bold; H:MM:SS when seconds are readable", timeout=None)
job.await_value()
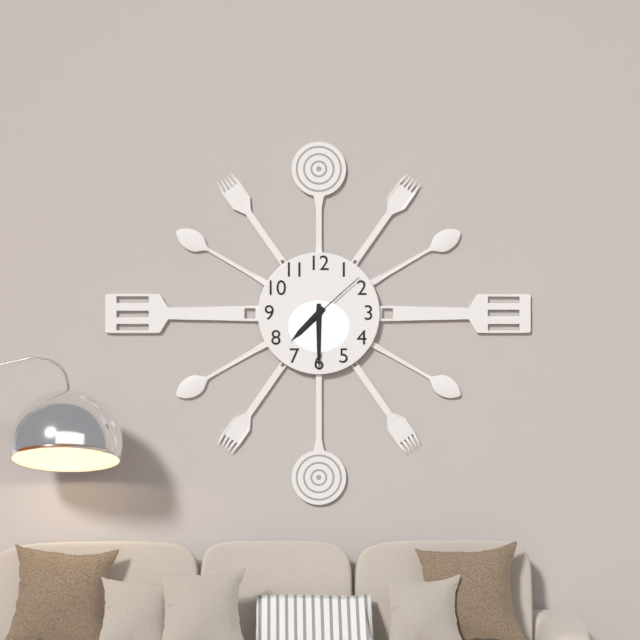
**7:30:08**
